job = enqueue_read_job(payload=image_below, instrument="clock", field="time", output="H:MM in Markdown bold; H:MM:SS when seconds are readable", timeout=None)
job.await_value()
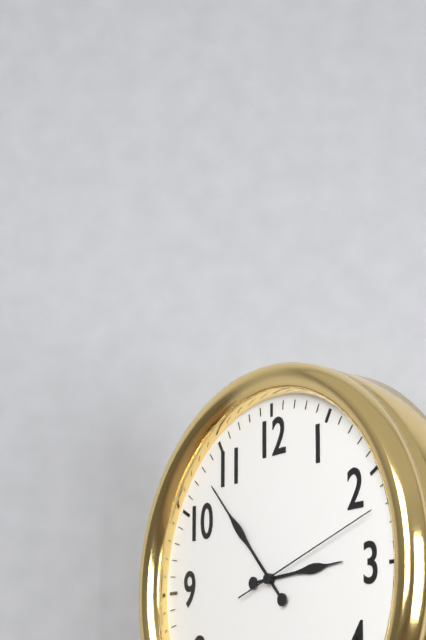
**2:53:12**
